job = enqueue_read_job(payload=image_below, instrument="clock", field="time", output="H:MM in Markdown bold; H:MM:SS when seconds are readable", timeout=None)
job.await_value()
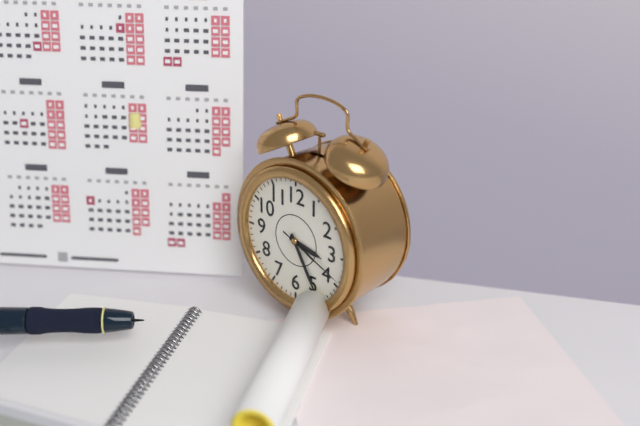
**3:25:19**
